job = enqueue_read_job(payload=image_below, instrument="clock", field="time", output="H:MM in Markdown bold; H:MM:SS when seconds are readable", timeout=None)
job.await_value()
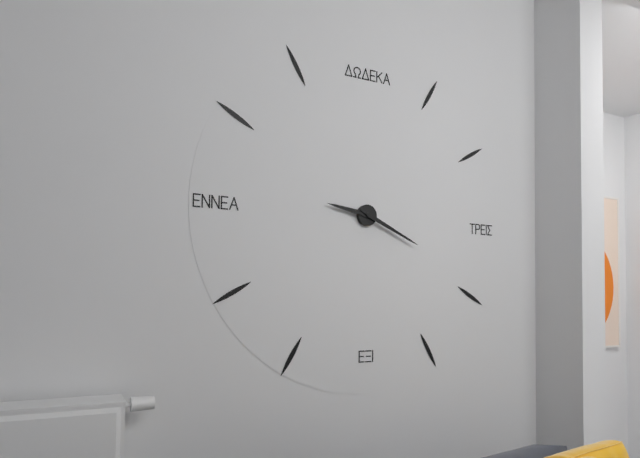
**9:19**
